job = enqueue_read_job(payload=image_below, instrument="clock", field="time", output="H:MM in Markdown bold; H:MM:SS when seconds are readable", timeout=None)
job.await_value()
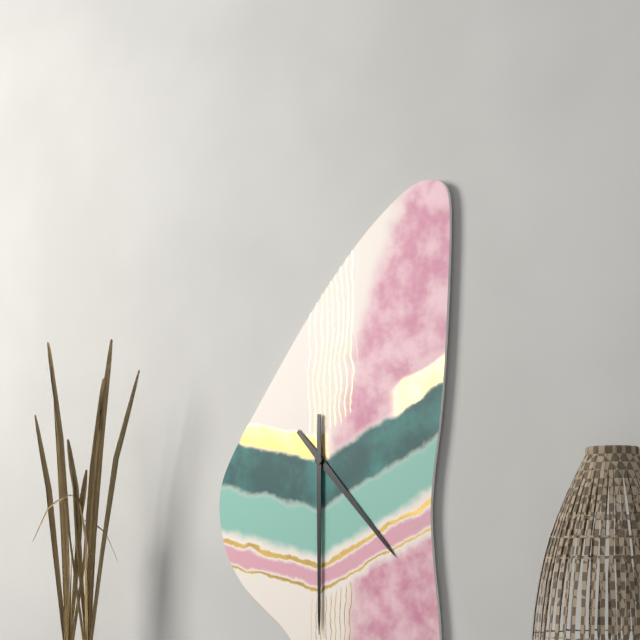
**4:30**
